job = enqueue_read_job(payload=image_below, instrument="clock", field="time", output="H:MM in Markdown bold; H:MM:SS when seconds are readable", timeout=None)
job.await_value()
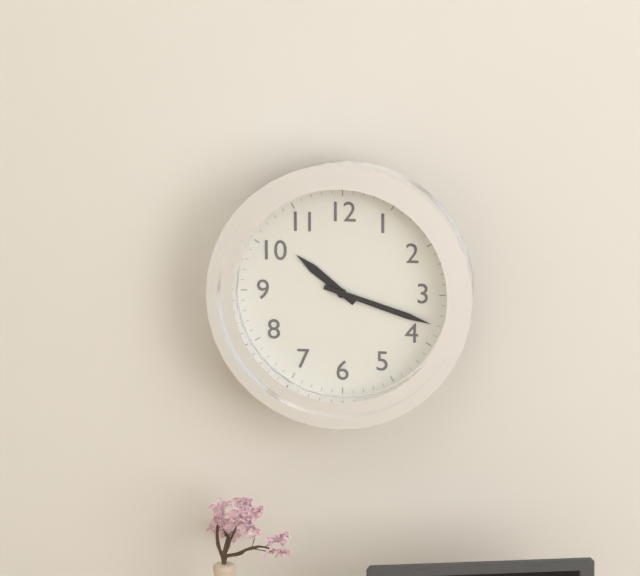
**10:18**
